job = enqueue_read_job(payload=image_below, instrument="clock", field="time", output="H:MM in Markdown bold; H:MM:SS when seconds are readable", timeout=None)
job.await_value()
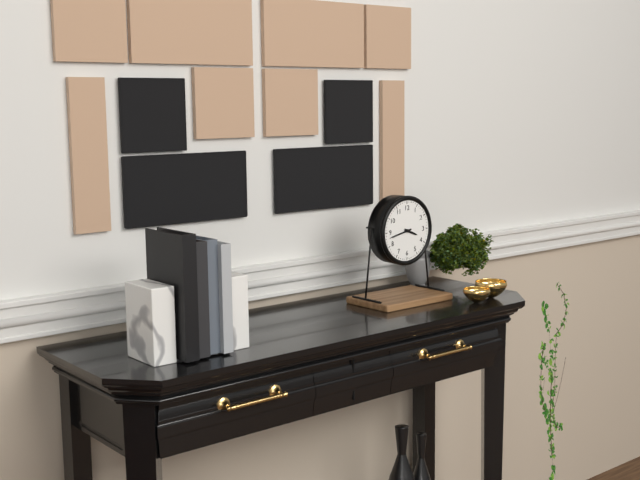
**3:43**
